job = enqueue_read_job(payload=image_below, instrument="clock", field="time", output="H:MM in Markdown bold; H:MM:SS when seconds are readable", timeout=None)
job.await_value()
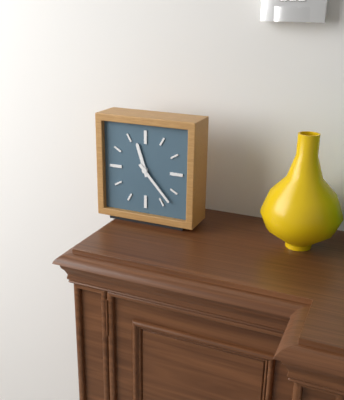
**11:23**
